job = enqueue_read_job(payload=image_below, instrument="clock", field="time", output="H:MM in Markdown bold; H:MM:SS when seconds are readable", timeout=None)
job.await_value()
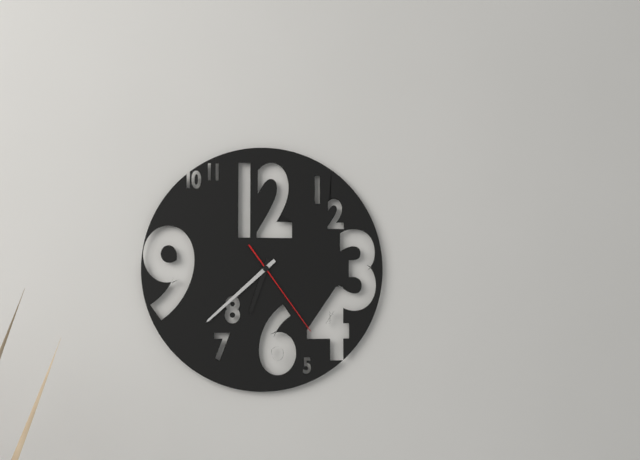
**6:38:24**
